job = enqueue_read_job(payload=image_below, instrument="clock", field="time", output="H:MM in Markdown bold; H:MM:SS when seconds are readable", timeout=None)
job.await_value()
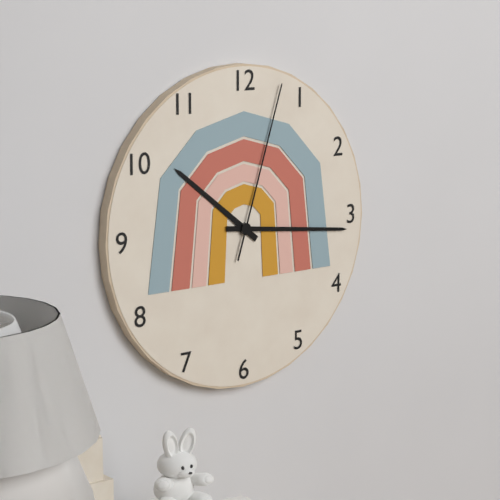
**10:16:03**
